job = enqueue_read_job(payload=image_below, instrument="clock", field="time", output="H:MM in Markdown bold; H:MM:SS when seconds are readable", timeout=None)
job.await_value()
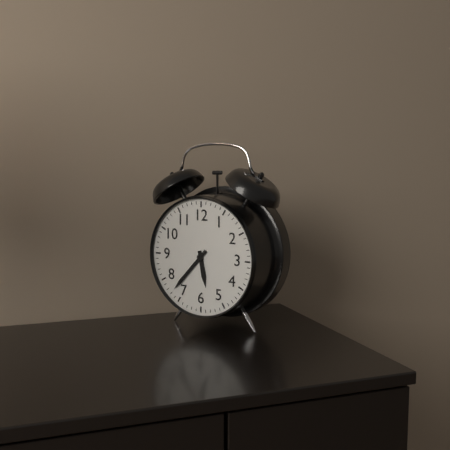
**5:37**
